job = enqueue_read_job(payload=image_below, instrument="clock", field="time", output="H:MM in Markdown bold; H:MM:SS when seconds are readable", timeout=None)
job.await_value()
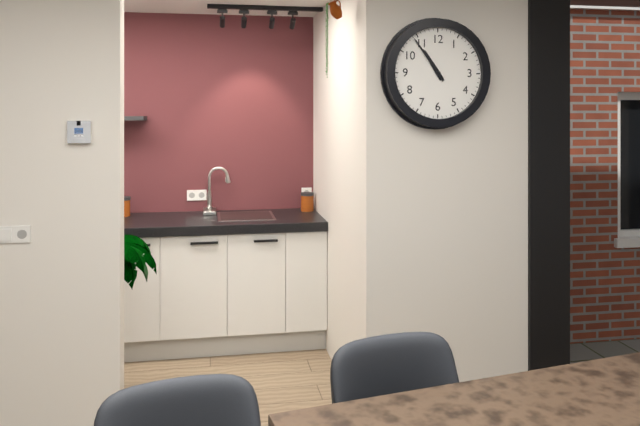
**10:54**
